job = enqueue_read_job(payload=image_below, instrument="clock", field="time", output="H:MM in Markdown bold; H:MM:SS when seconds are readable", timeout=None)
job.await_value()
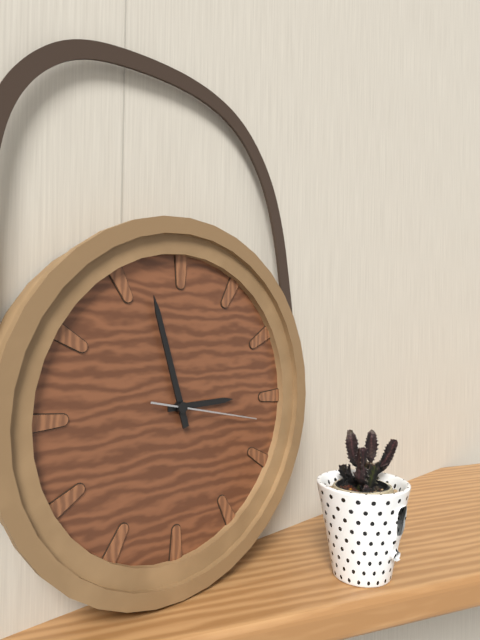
**2:57:17**
